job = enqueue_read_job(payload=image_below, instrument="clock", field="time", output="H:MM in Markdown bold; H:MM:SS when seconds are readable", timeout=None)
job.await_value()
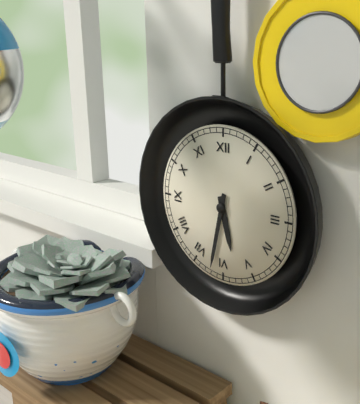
**5:32**
